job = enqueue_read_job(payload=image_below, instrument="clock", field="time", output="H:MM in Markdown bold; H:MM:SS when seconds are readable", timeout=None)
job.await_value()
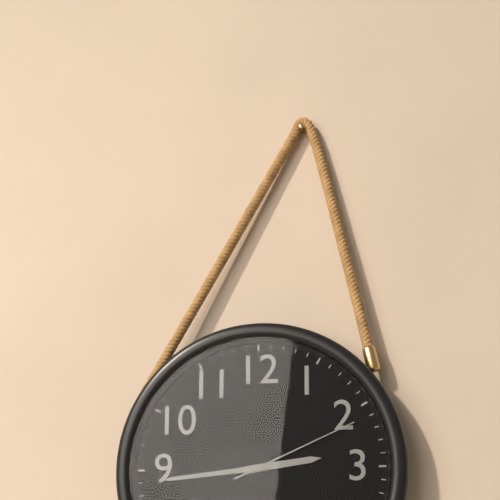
**2:44:11**
